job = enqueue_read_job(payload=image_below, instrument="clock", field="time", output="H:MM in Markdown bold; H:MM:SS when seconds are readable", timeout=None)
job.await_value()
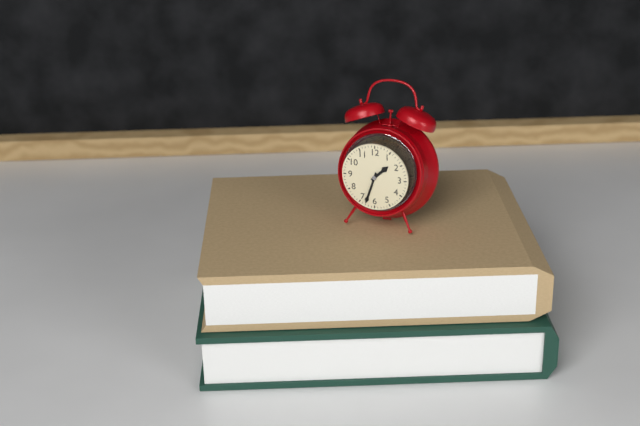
**1:33**
